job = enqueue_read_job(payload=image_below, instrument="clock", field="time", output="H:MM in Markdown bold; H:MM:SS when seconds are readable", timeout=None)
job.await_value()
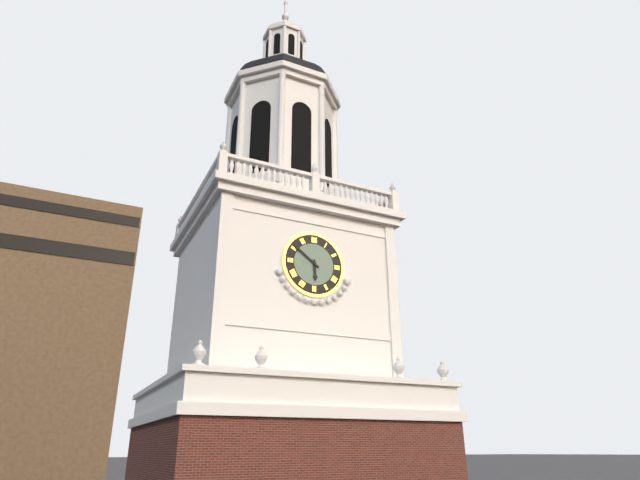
**5:51**
